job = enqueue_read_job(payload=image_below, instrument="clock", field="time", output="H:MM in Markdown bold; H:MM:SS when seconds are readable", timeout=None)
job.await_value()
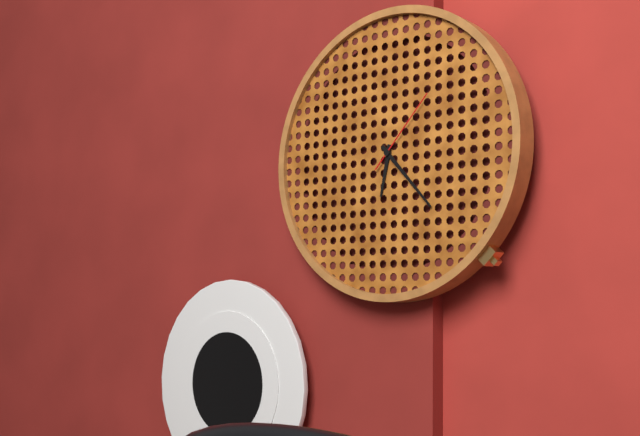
**6:23:07**
